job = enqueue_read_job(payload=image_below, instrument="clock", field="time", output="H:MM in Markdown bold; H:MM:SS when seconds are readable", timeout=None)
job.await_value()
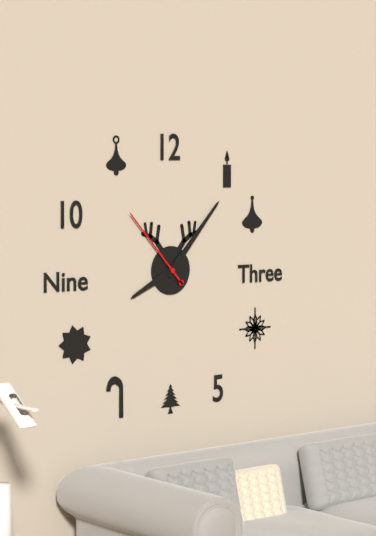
**8:07:53**
